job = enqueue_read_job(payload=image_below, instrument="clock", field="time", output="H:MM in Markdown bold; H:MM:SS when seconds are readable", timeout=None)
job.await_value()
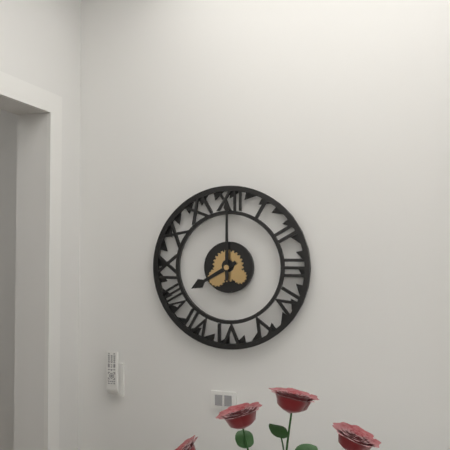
**8:00**
